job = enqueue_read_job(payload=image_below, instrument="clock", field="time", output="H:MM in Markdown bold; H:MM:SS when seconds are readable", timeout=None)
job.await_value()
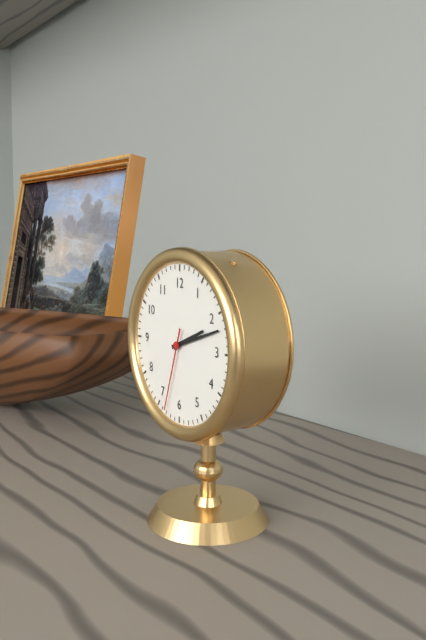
**2:12:33**
